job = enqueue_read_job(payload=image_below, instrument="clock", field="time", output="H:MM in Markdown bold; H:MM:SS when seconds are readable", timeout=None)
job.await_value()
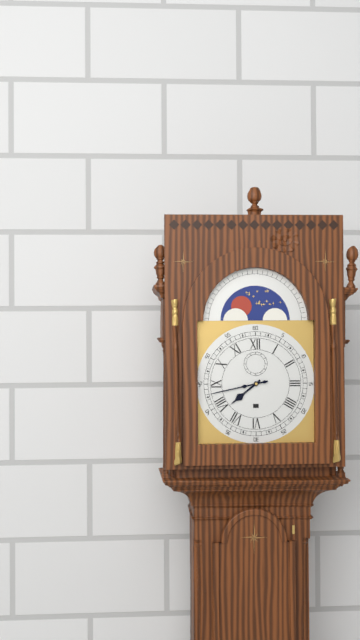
**7:43**
